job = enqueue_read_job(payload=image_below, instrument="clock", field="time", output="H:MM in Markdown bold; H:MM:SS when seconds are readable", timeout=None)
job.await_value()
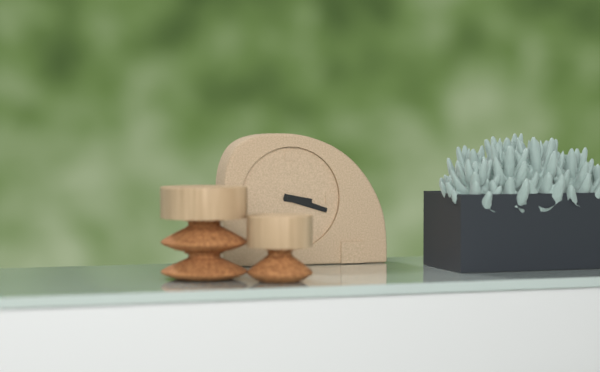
**3:18**
